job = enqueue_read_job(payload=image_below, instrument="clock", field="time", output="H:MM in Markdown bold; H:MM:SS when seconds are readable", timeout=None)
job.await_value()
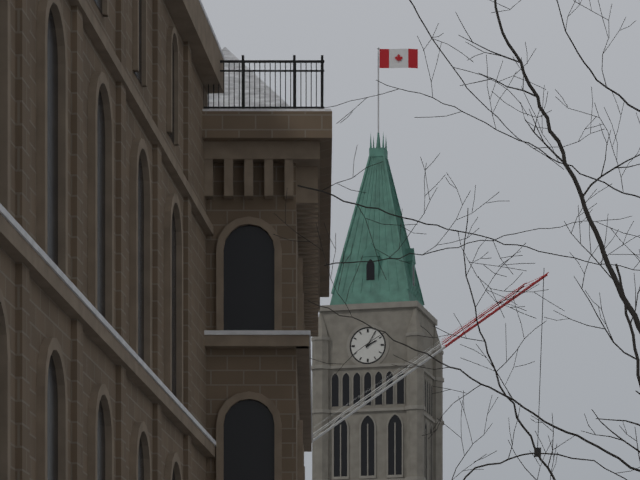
**2:05**
